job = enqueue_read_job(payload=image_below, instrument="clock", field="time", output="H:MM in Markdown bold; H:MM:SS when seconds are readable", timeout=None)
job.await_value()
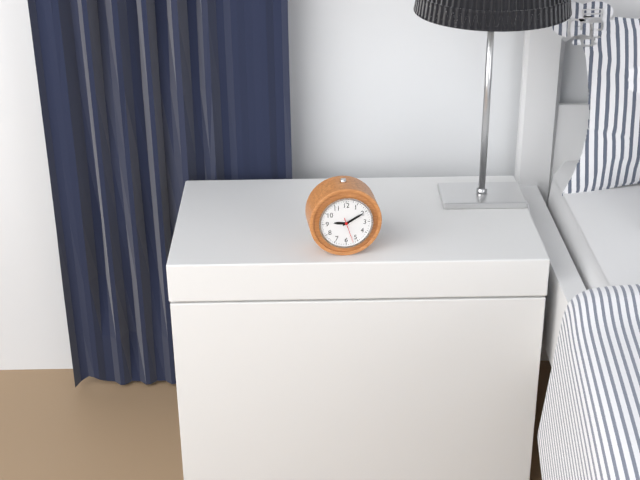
**9:10**
